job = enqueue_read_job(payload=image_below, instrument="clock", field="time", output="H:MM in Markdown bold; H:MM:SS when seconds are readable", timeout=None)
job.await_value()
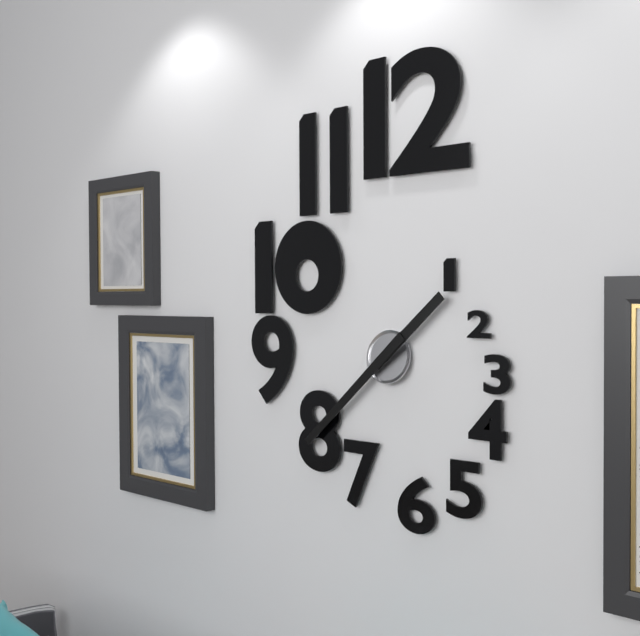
**1:38**
